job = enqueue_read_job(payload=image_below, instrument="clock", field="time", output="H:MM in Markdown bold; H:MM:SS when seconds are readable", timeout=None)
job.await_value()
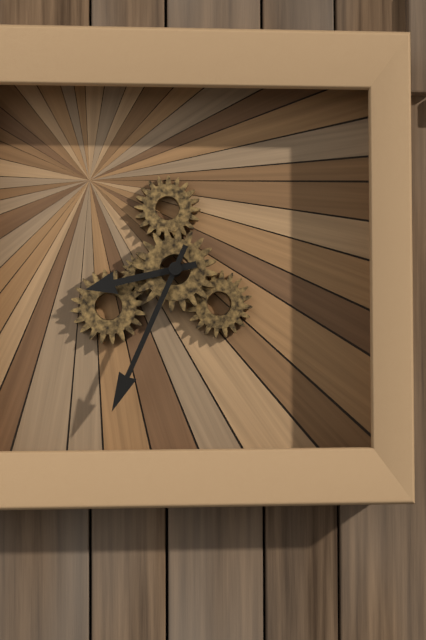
**8:34**
